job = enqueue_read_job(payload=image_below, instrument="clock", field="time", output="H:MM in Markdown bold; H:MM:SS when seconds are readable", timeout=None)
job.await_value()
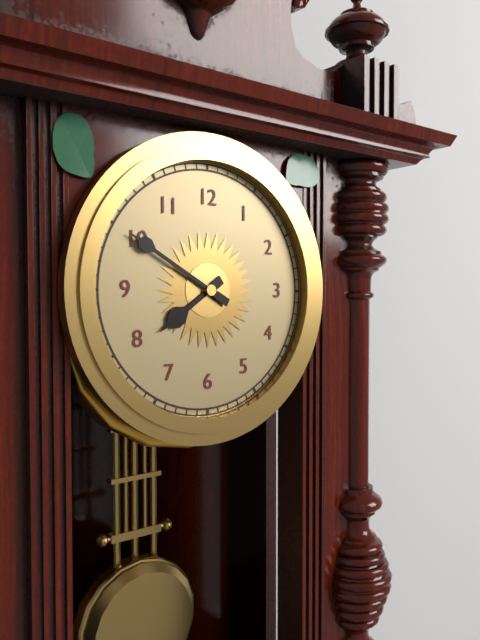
**7:50**
